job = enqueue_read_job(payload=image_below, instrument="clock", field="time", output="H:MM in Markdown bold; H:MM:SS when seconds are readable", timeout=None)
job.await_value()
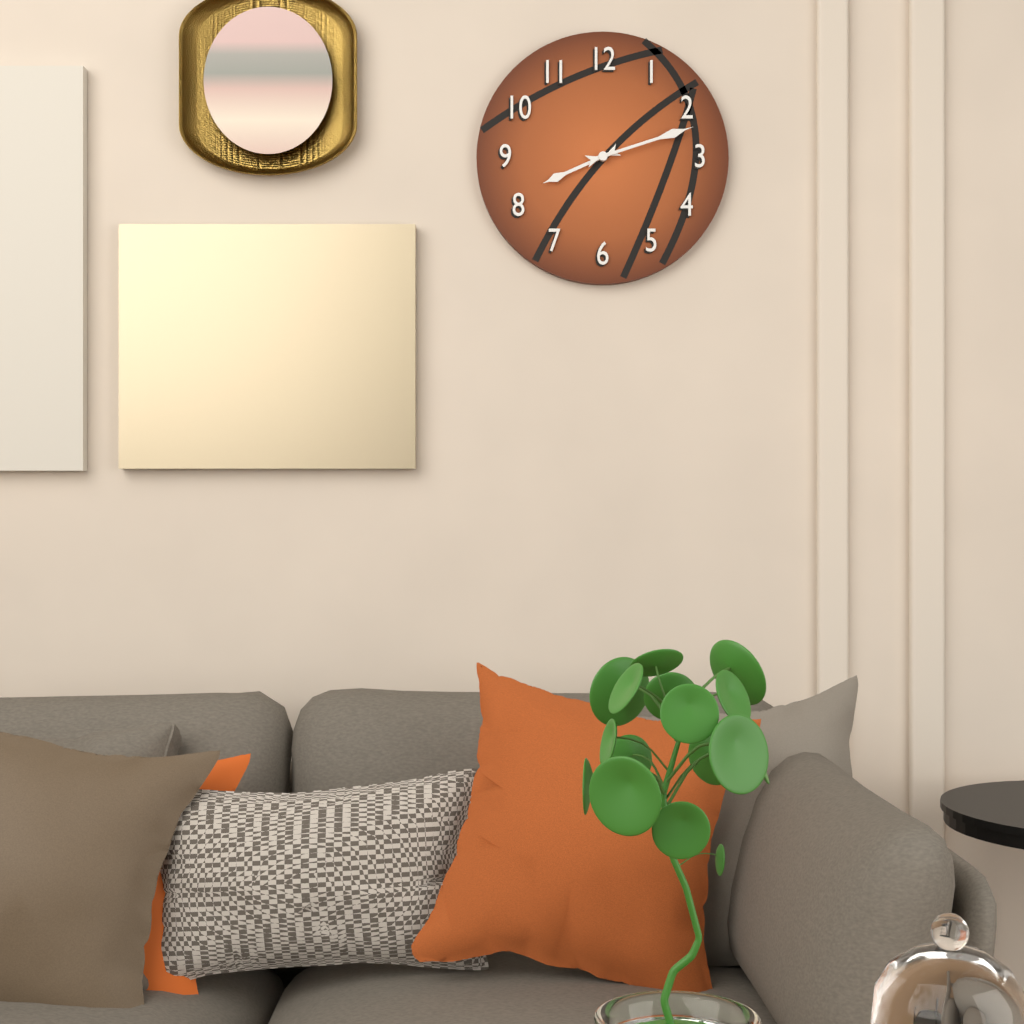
**8:12**
